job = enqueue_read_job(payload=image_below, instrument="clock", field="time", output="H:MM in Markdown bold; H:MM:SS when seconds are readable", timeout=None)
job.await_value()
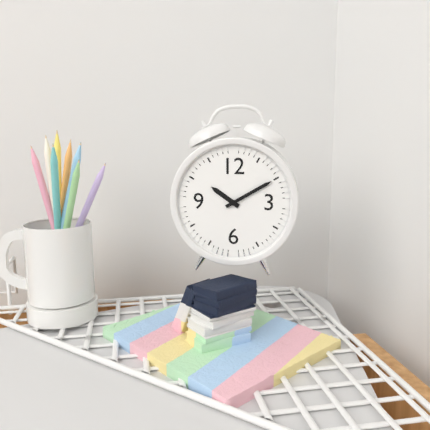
**10:10**
